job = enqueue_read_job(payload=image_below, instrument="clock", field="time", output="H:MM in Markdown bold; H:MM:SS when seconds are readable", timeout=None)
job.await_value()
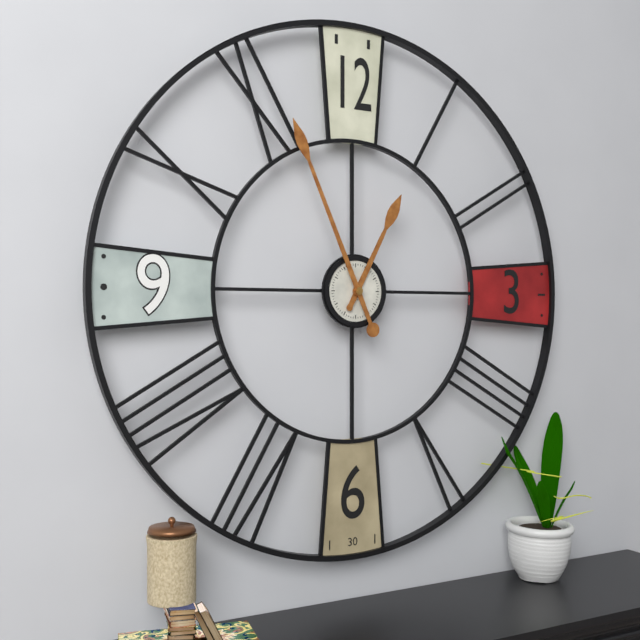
**12:56**
